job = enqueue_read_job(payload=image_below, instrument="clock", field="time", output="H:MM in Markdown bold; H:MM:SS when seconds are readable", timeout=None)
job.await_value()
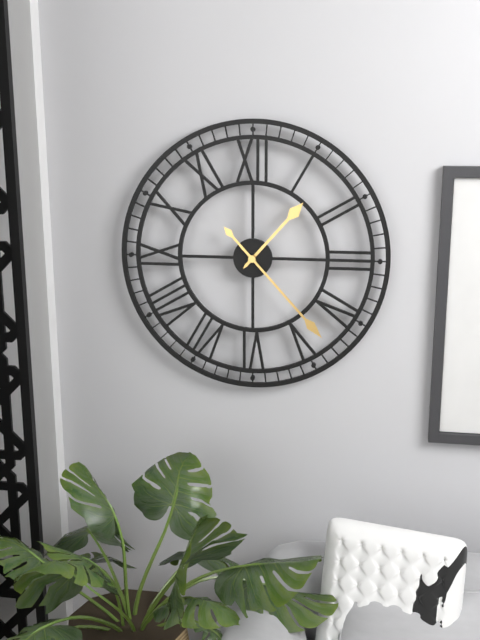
**1:23**
